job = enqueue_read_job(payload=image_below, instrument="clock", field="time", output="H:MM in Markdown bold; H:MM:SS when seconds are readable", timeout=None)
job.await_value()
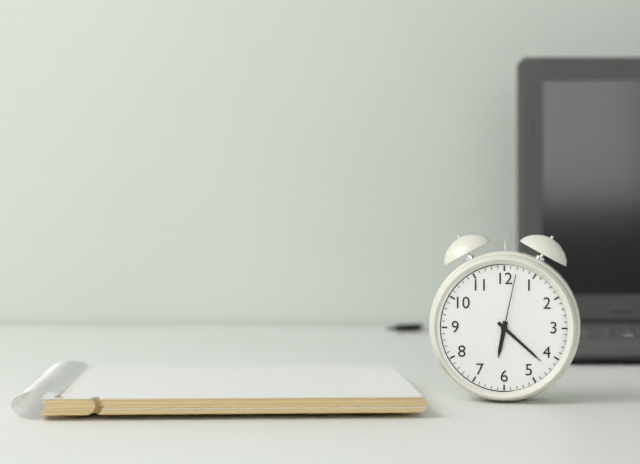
**6:22:02**
